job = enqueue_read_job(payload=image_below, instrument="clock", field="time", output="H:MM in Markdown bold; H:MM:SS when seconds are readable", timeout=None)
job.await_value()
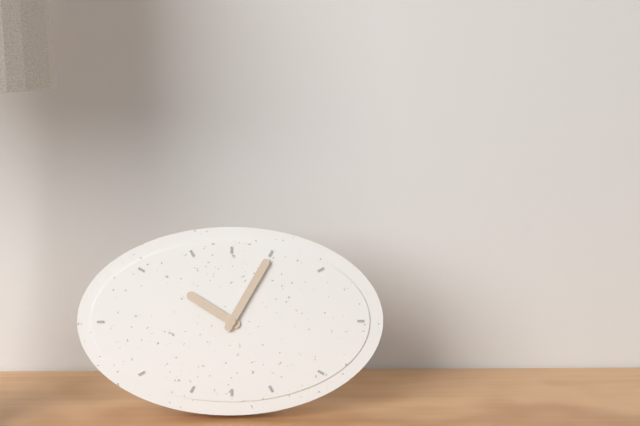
**10:05**
